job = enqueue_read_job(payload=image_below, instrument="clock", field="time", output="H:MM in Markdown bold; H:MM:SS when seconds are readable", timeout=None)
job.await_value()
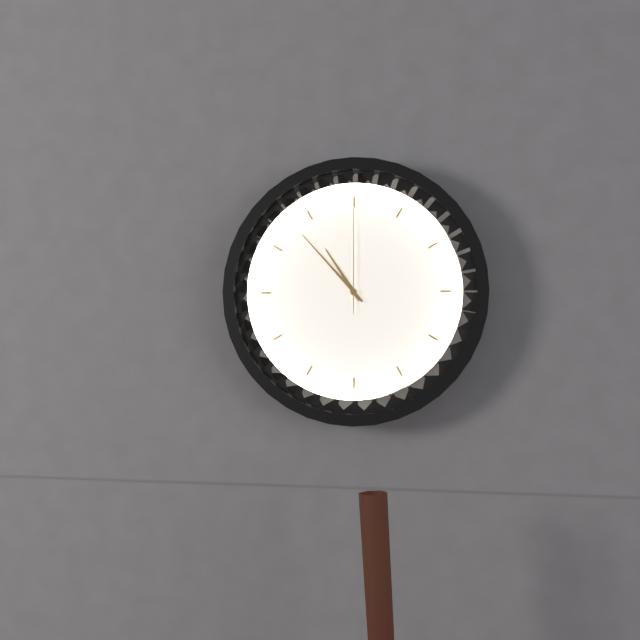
**10:53:00**
